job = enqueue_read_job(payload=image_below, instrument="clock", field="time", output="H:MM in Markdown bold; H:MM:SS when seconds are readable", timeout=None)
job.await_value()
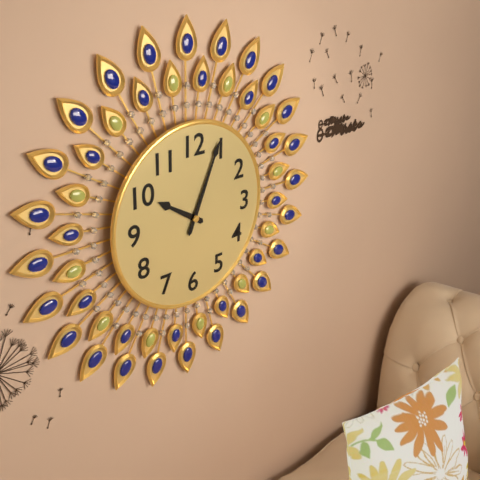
**10:04**
